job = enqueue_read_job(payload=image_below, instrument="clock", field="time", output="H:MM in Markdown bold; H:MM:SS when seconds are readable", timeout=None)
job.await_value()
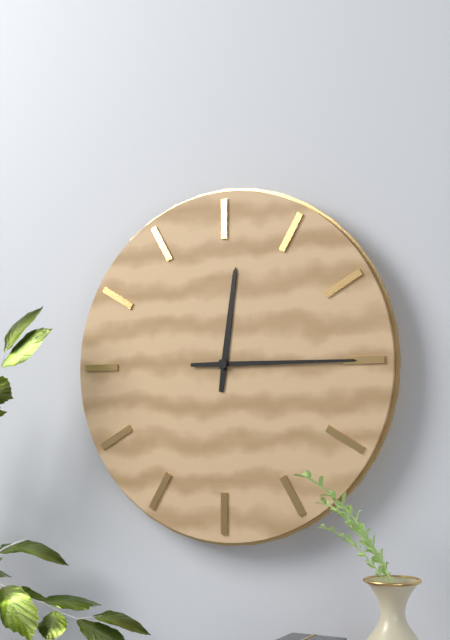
**12:15**
